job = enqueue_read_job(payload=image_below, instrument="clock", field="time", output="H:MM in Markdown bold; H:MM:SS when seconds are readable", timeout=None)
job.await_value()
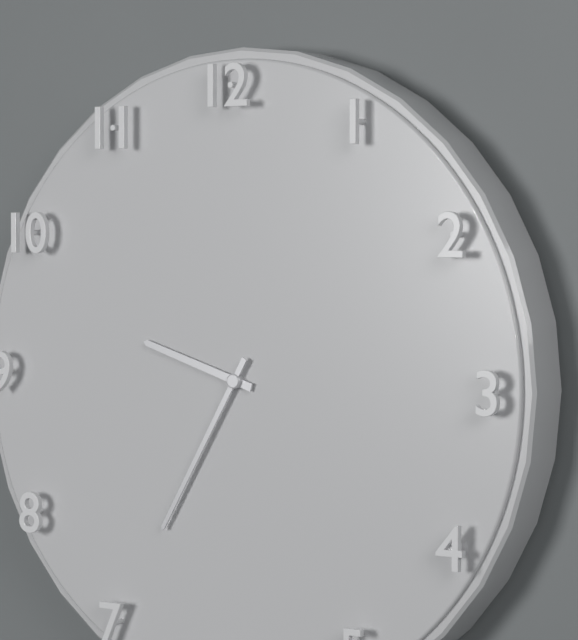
**9:35**
